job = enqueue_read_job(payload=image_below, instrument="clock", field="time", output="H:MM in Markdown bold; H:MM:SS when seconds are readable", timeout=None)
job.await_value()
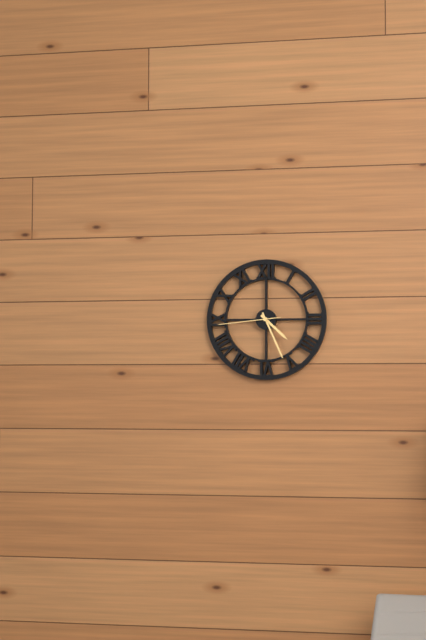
**4:26:44**
